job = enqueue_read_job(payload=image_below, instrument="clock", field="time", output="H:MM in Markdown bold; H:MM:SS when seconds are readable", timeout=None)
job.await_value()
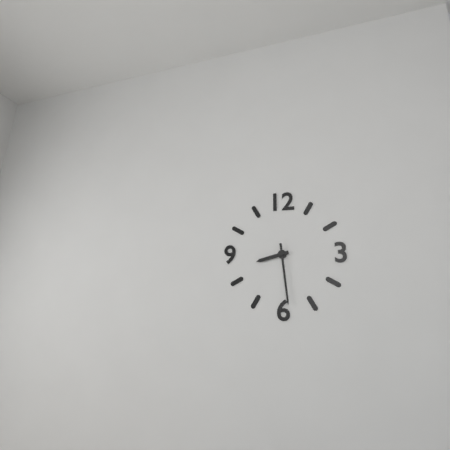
**8:29**
